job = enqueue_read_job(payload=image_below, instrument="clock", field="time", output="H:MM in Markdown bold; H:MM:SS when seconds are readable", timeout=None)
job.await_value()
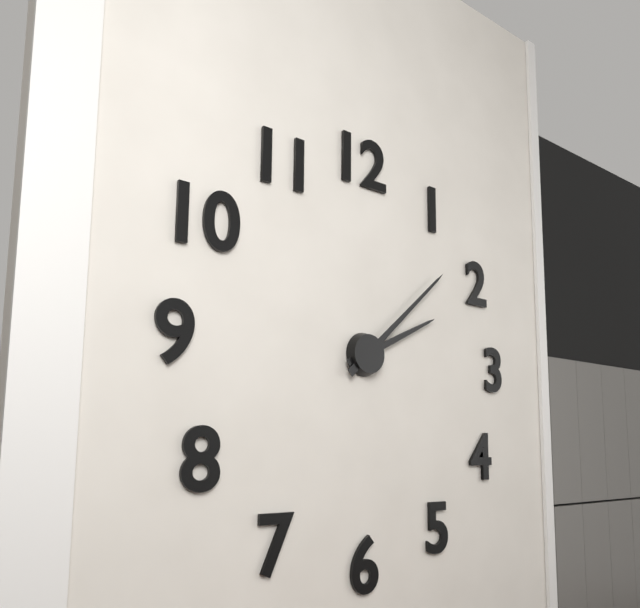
**2:08**
